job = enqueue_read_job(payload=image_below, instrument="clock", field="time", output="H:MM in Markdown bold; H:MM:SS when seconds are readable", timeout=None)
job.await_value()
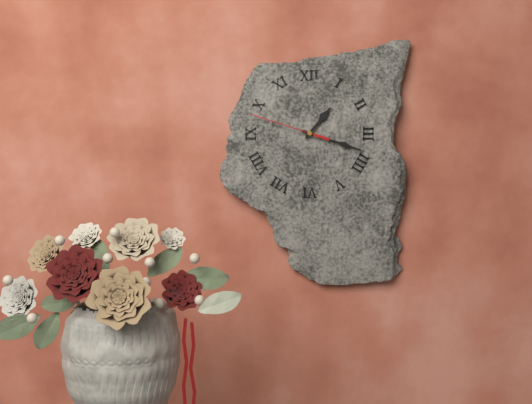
**1:18:48**
